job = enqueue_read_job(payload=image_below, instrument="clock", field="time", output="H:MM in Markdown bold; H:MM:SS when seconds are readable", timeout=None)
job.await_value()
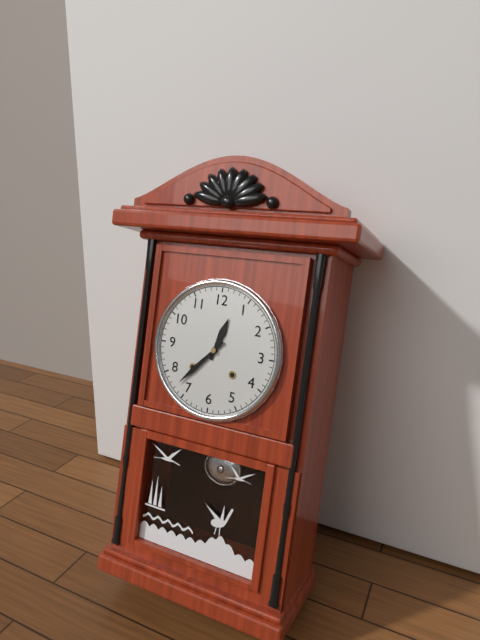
**12:37**
